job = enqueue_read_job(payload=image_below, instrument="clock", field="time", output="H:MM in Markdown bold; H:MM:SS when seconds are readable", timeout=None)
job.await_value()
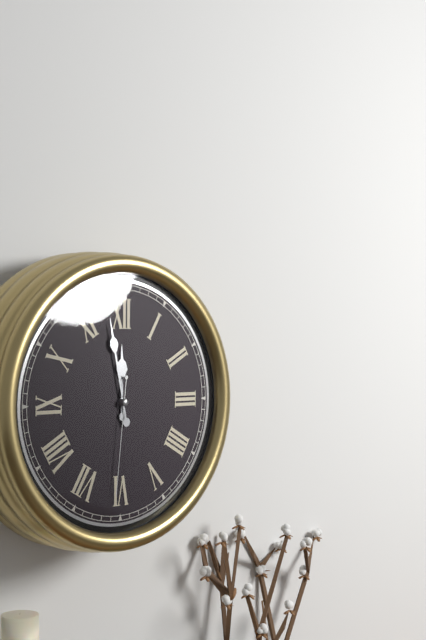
**11:58:31**
